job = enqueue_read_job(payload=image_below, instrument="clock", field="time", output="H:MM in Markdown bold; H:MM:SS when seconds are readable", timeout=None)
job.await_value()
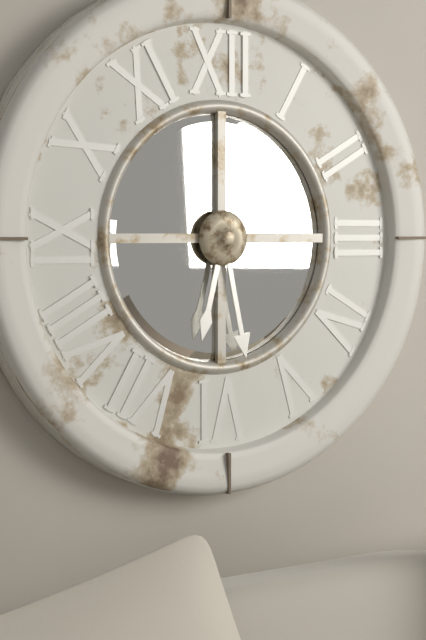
**6:28**
